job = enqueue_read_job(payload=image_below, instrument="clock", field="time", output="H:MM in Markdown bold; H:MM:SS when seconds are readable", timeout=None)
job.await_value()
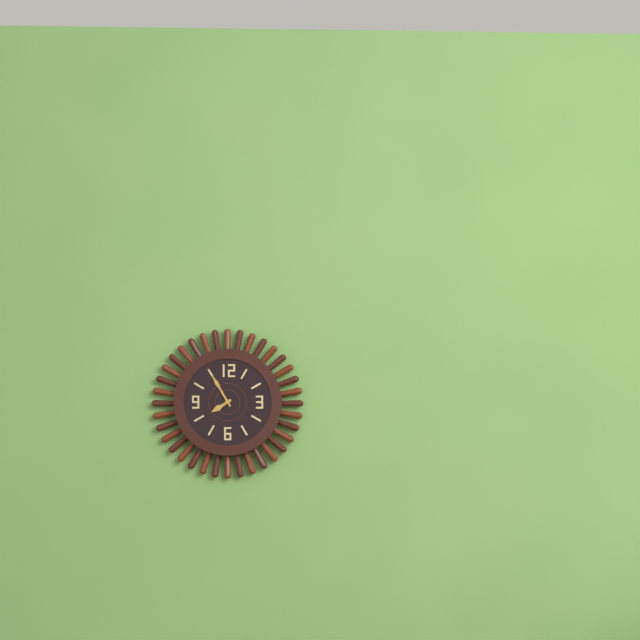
**7:55**
